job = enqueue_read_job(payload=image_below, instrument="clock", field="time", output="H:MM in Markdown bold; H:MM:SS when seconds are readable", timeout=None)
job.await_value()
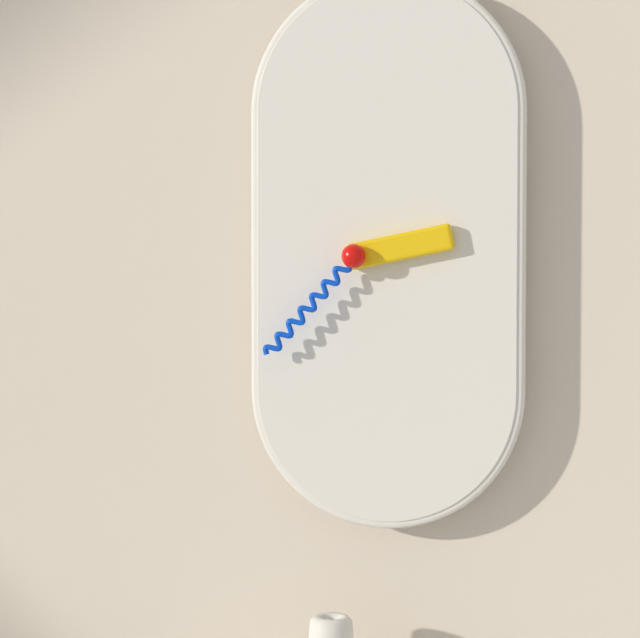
**2:37**
